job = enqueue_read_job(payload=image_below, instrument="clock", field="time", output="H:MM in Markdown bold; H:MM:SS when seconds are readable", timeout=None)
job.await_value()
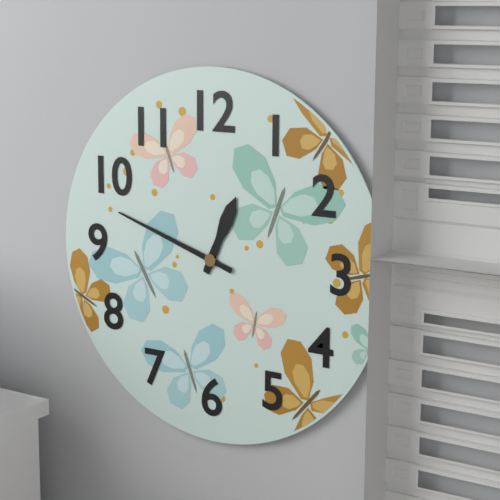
**12:48**
